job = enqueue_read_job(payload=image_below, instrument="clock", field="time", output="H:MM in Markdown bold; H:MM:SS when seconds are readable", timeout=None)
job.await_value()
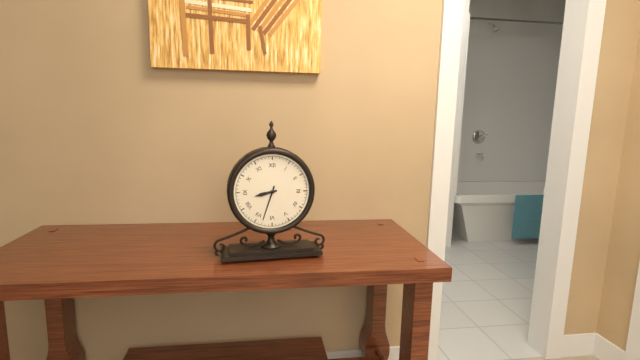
**8:33**
